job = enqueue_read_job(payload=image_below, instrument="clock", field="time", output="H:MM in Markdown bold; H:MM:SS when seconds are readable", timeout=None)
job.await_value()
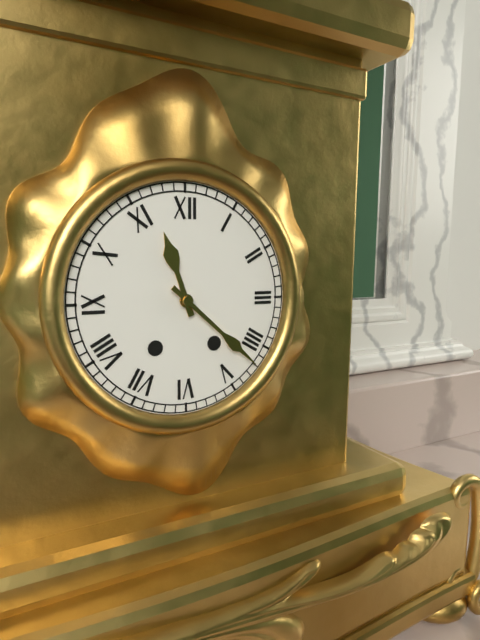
**11:22**
